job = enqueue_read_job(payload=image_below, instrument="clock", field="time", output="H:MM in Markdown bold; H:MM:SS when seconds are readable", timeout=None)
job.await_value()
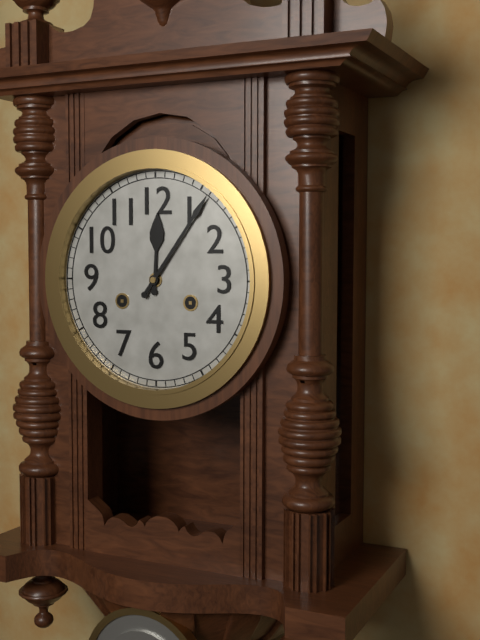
**12:06**
